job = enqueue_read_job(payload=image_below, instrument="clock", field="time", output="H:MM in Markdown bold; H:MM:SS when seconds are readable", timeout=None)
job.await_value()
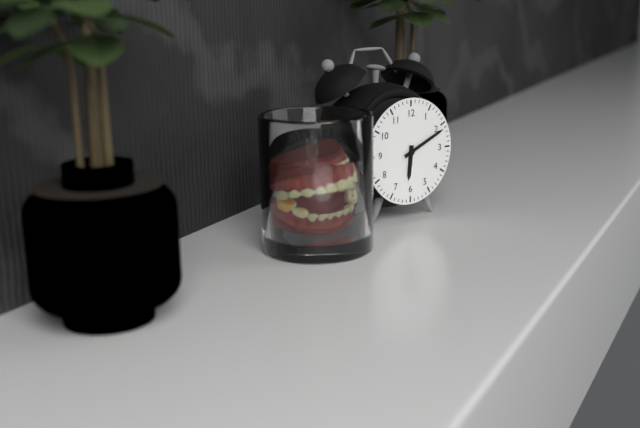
**6:11**
